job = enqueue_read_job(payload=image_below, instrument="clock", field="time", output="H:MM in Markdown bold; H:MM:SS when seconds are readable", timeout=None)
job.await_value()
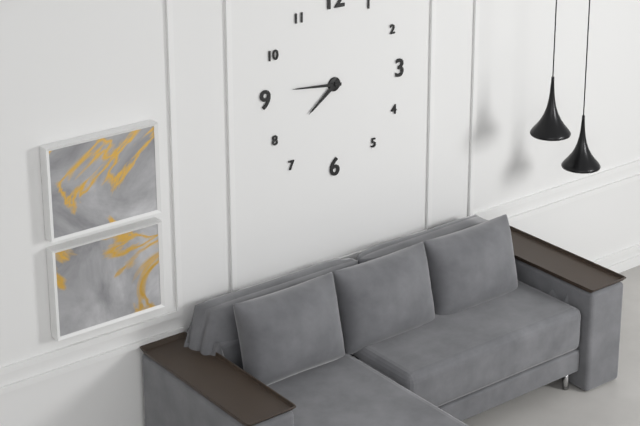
**7:46**
